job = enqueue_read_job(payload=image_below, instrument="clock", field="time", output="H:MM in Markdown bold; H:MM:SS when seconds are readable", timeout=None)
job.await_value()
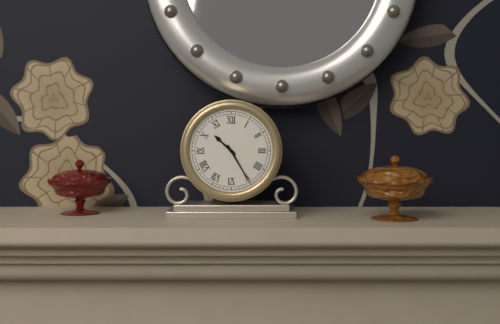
**10:25**
